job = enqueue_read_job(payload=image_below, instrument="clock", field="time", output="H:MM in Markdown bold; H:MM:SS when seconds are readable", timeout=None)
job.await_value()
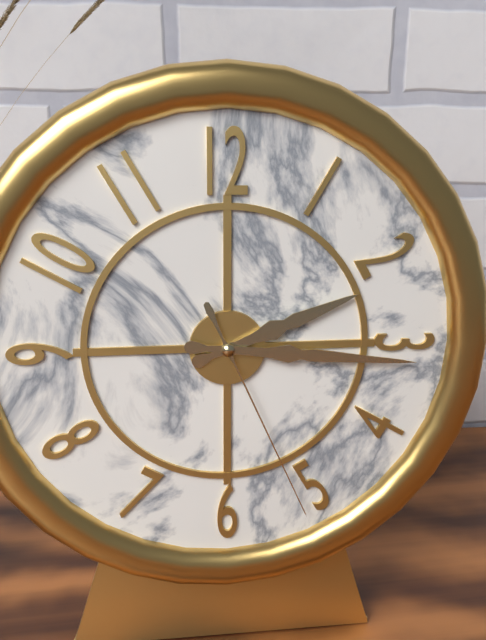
**2:16:26**
